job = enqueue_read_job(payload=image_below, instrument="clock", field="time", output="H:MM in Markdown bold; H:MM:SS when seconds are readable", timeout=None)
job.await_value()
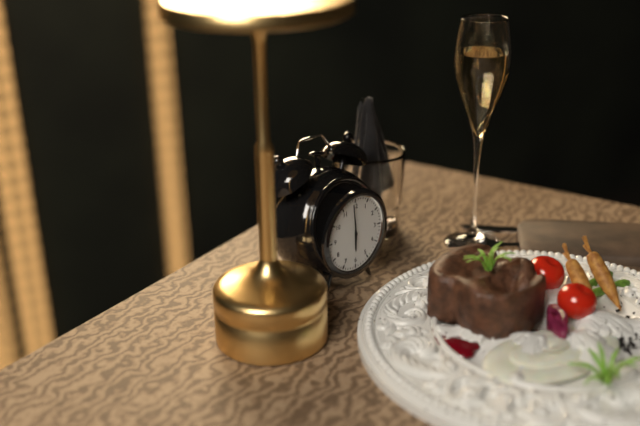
**5:59**
